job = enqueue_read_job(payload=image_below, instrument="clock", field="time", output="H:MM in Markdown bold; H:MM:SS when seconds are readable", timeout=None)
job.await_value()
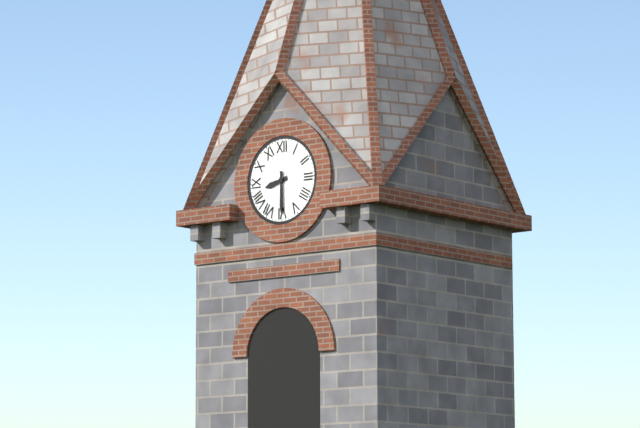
**8:30**
